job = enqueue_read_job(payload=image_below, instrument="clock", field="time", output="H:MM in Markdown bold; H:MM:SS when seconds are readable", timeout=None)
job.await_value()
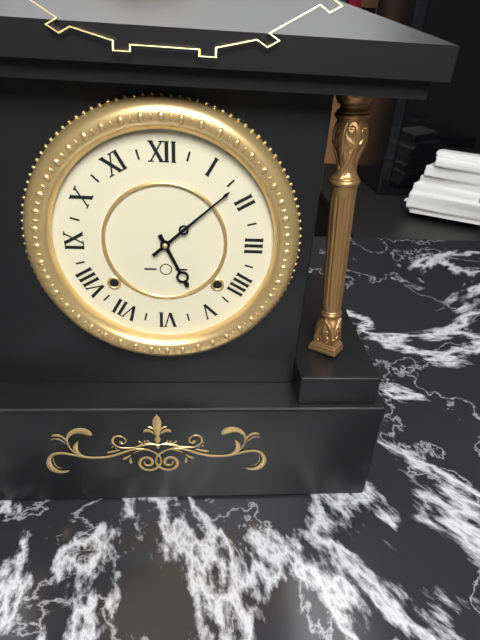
**5:08**
